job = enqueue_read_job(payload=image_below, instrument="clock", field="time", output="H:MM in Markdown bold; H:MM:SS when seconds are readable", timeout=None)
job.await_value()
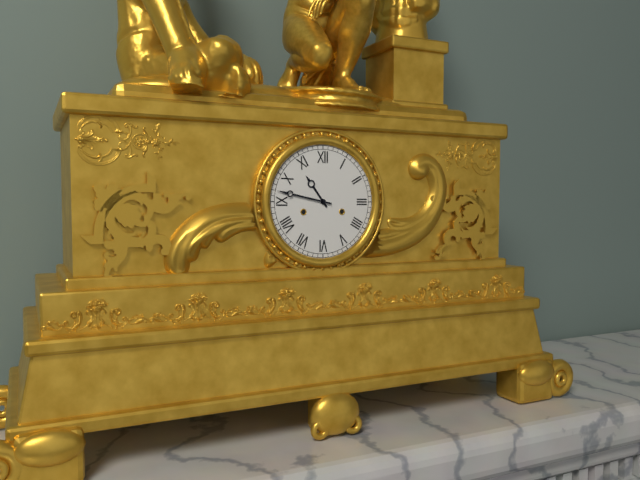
**10:47**
